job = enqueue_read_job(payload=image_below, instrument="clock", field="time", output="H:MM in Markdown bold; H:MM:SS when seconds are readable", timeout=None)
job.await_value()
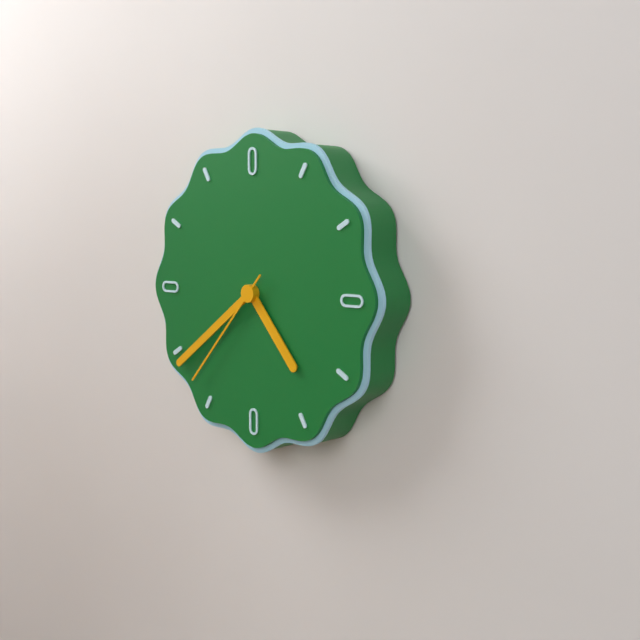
**4:39:37**
